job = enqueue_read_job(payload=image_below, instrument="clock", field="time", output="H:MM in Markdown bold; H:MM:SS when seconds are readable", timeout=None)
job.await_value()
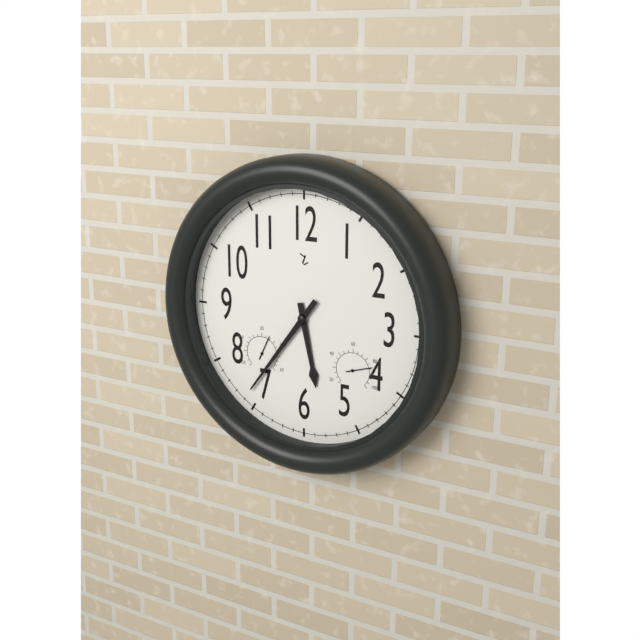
**5:36**
